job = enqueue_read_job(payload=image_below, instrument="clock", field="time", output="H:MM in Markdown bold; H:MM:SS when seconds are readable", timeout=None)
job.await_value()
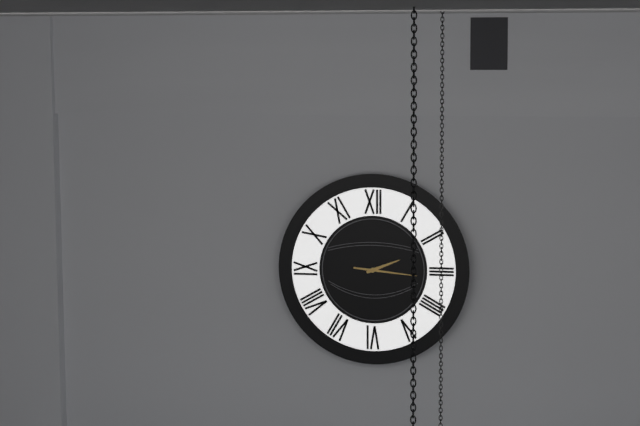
**2:16**
